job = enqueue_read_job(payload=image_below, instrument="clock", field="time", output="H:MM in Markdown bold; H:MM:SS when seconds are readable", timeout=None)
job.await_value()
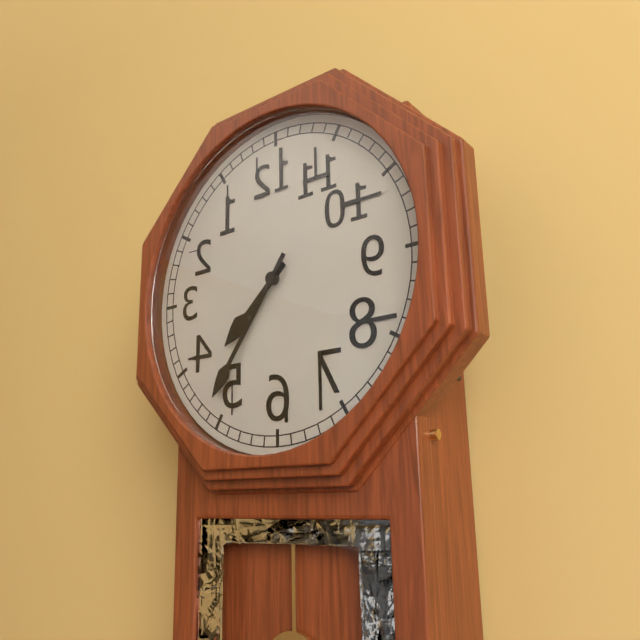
**7:36**
